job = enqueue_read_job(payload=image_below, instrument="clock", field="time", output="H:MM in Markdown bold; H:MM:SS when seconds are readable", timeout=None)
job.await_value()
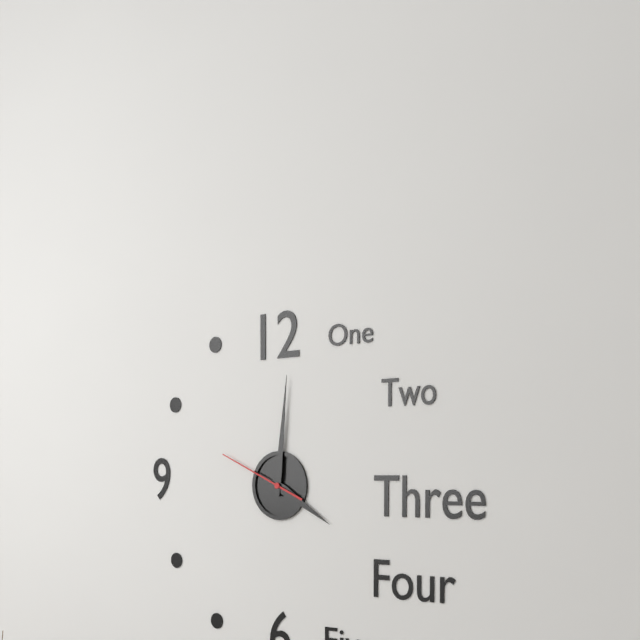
**4:01:49**
